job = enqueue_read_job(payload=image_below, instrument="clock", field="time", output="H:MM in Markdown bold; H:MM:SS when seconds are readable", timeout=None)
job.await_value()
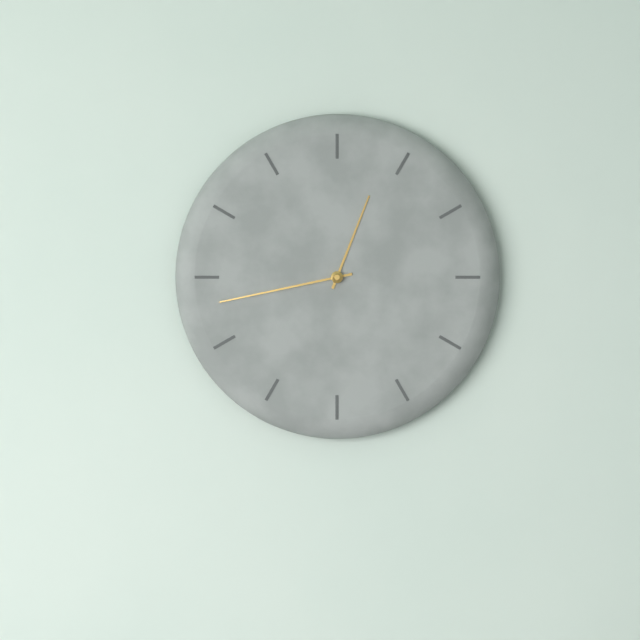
**12:43**
